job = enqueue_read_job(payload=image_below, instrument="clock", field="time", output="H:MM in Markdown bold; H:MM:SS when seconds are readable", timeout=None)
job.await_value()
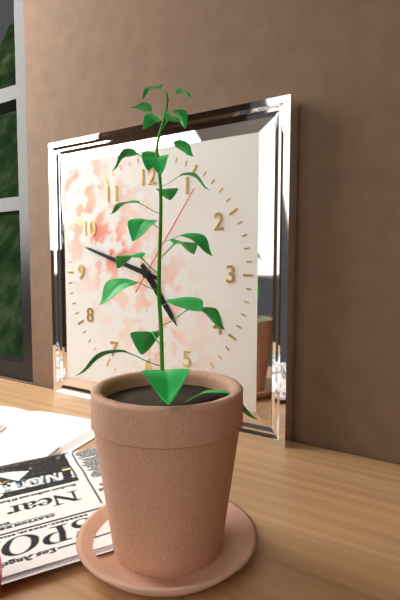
**4:48:06**
